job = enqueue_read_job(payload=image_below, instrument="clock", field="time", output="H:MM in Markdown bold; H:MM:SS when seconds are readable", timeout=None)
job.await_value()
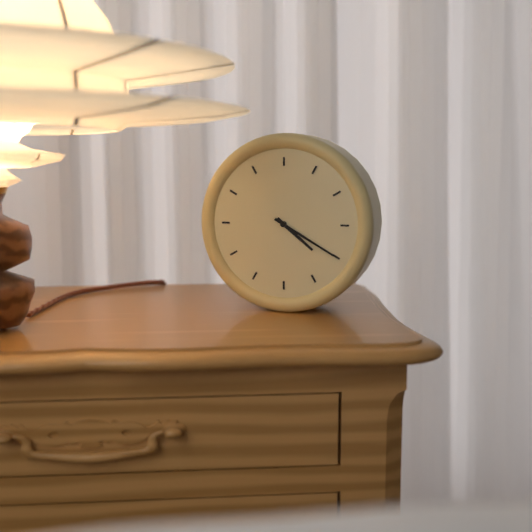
**4:20**
